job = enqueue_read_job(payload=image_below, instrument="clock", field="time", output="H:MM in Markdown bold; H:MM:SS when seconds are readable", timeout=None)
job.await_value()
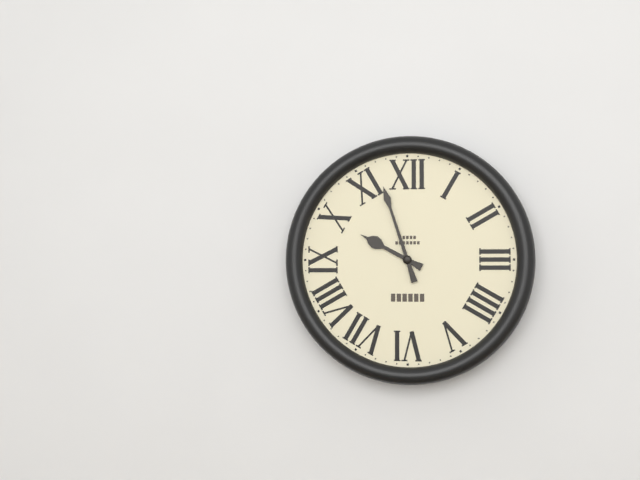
**9:57**
